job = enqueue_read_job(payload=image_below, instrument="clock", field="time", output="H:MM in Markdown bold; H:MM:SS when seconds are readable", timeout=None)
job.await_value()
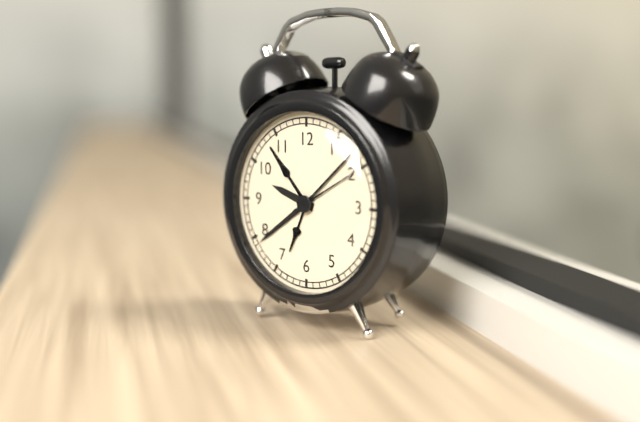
**9:39:10**
